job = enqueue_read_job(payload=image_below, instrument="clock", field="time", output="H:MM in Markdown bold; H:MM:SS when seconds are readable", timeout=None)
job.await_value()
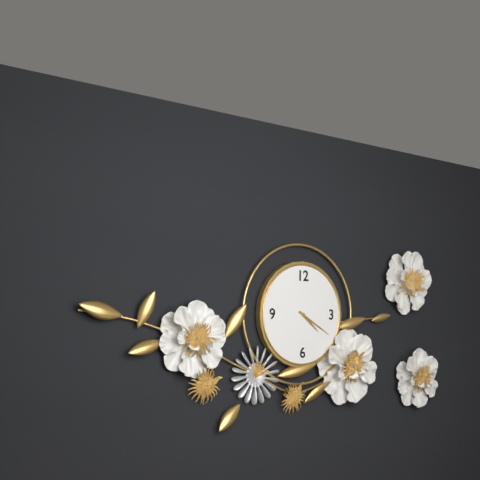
**4:20**
